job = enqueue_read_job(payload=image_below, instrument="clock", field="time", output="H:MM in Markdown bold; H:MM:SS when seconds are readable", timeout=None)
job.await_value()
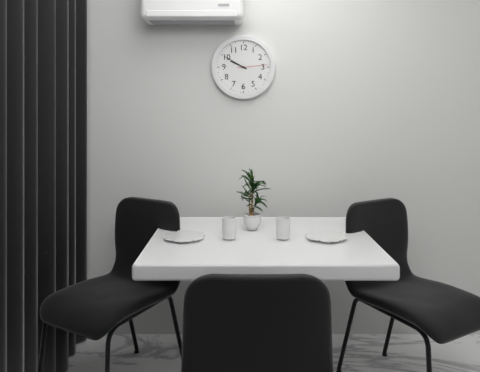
**9:50**
